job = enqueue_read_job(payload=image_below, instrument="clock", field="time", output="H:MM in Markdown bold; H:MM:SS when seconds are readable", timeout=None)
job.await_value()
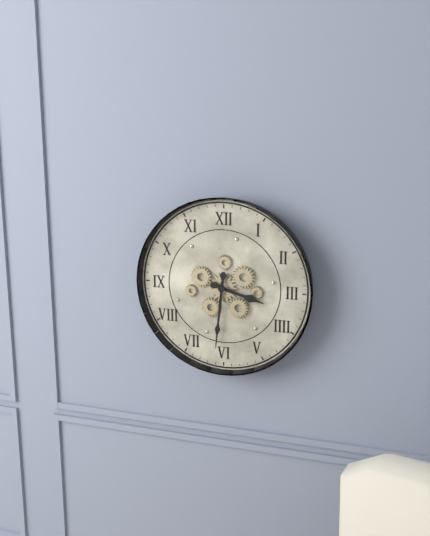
**3:31**
